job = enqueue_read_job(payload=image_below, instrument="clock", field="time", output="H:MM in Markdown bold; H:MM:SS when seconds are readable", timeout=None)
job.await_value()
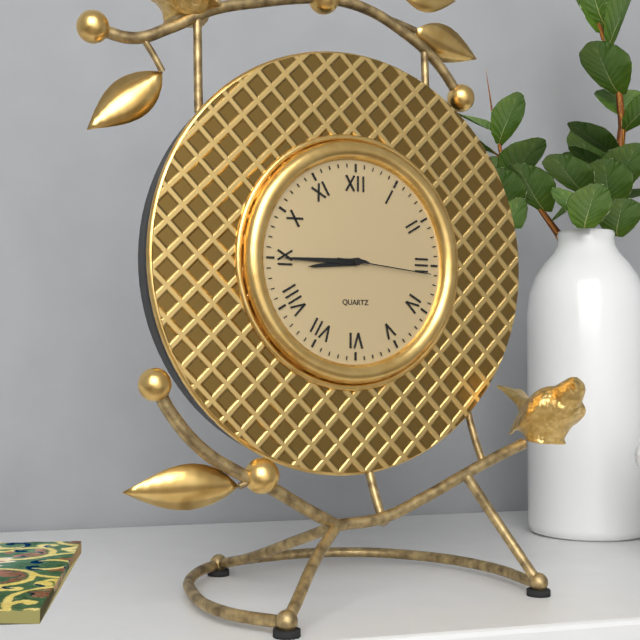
**8:45:16**
